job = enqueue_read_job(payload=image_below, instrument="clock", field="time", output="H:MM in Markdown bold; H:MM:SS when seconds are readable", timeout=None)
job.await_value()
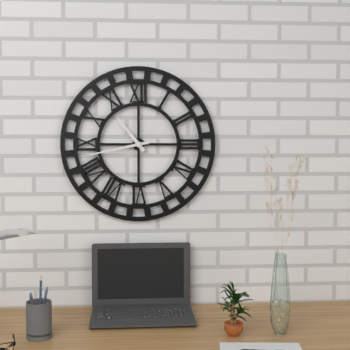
**10:43**
